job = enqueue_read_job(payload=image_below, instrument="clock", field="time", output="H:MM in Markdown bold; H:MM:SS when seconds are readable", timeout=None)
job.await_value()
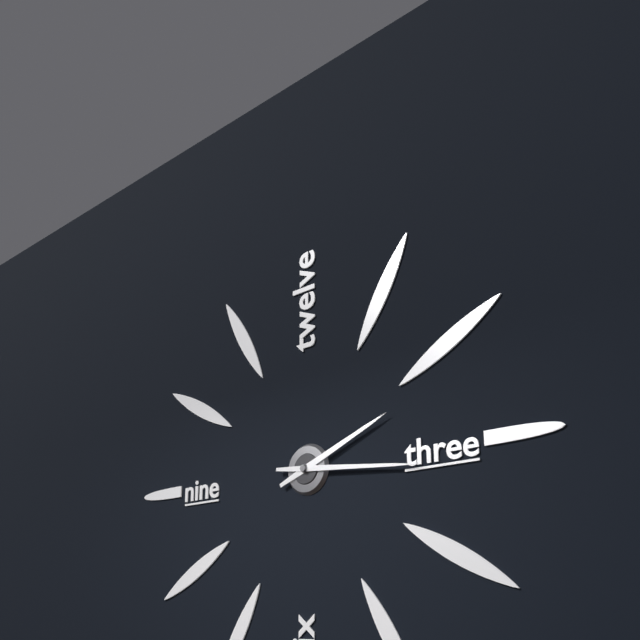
**2:16**
